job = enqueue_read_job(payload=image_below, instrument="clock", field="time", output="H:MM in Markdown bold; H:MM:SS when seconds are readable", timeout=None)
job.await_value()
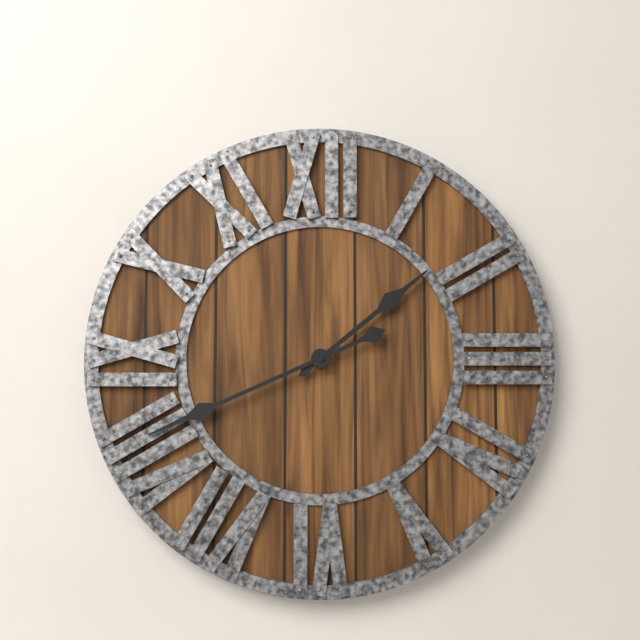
**1:41**
